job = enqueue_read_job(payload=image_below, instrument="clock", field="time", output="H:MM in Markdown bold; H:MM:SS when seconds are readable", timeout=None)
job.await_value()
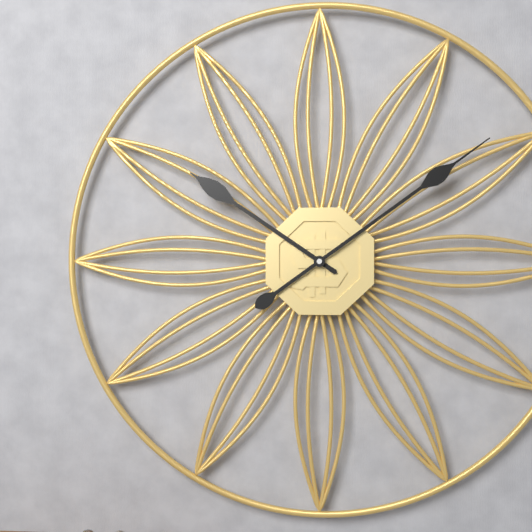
**10:09**
